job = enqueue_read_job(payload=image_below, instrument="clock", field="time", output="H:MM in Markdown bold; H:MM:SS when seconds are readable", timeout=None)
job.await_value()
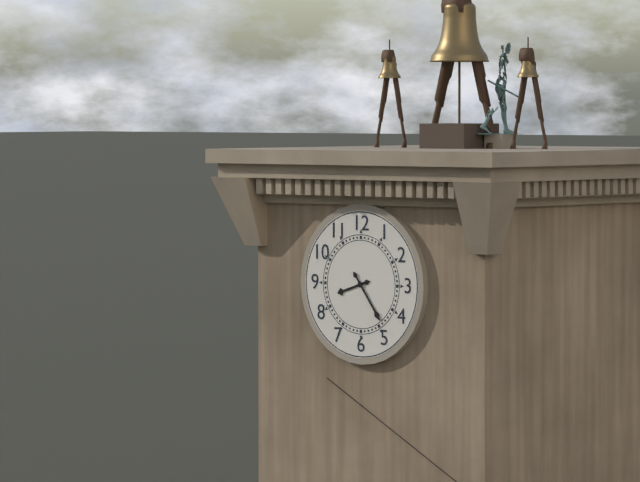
**8:24**
